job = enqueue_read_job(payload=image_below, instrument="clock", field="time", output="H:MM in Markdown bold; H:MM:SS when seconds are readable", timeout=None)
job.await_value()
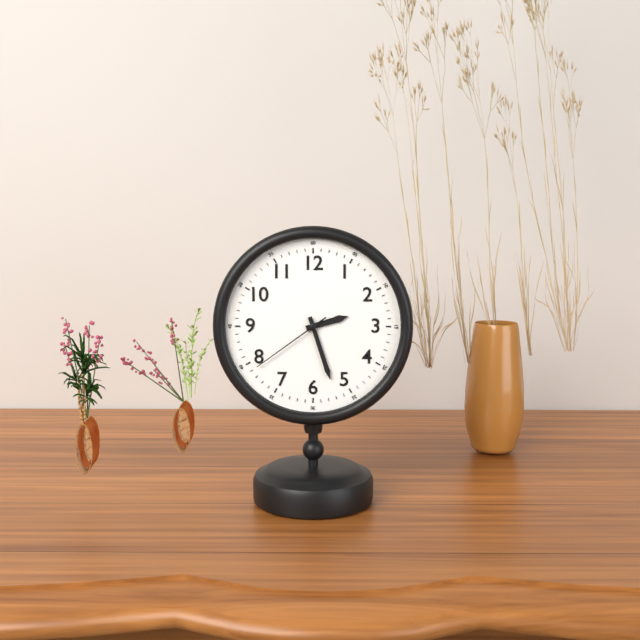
**2:27:39**
